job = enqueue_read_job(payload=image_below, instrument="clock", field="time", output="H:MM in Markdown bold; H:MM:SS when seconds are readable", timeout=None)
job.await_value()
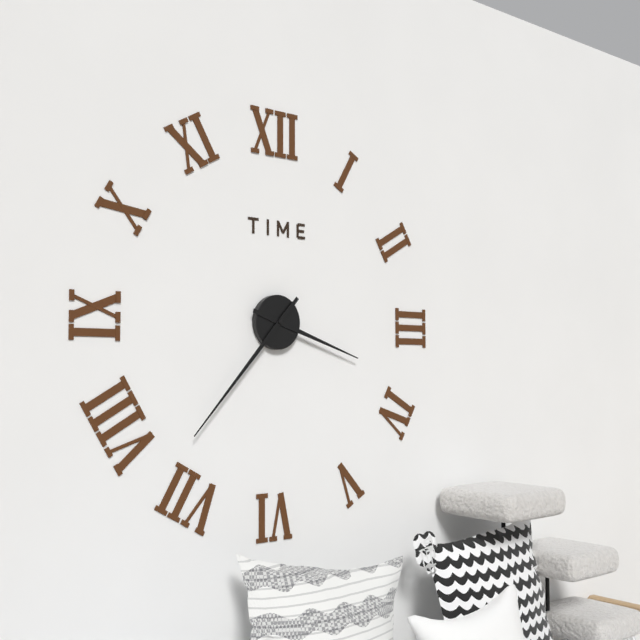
**3:37**
